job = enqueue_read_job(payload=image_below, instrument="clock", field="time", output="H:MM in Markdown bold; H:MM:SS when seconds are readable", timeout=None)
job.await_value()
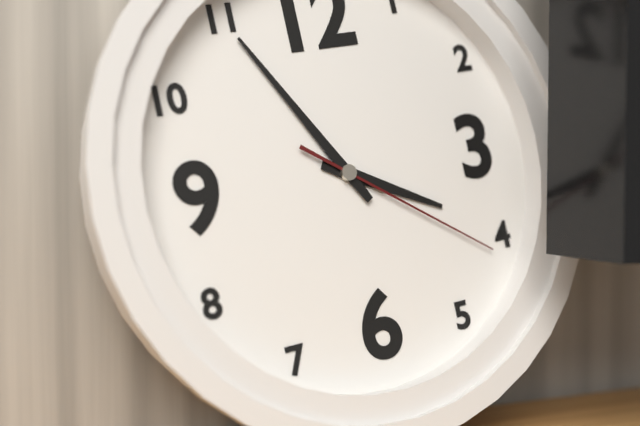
**3:55:21**
